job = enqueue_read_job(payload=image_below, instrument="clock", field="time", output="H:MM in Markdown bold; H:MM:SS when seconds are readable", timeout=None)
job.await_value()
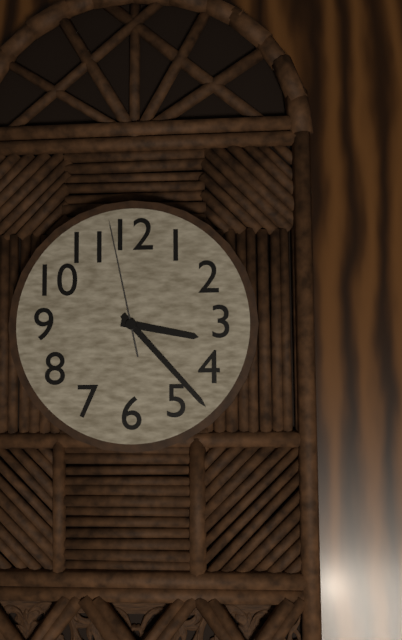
**3:23:58**
